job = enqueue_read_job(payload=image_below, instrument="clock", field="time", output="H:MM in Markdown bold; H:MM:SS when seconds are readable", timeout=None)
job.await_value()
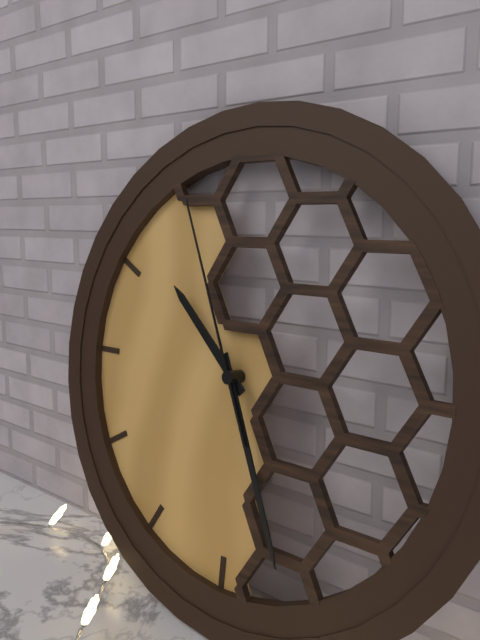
**10:26:56**
